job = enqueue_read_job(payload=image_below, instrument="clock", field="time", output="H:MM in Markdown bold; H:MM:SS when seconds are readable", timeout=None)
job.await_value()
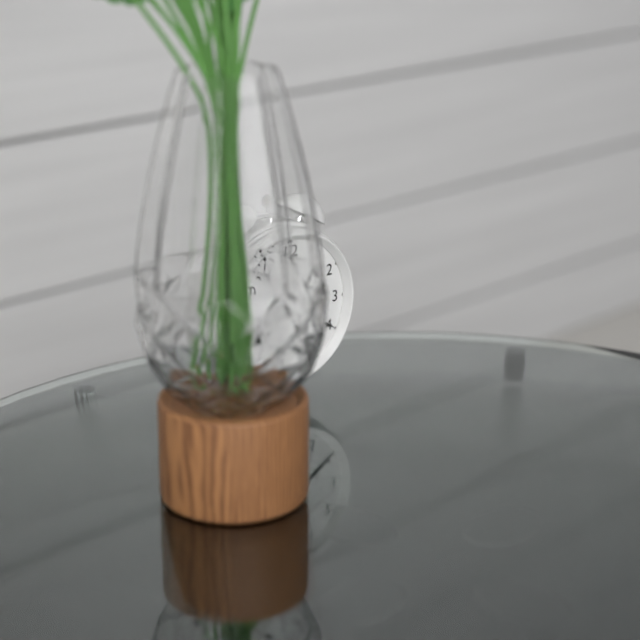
**8:20**
